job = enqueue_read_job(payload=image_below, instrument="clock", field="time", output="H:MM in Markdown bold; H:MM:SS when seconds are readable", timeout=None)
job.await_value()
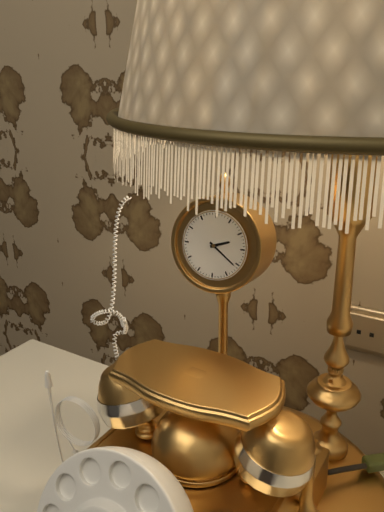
**2:21**
